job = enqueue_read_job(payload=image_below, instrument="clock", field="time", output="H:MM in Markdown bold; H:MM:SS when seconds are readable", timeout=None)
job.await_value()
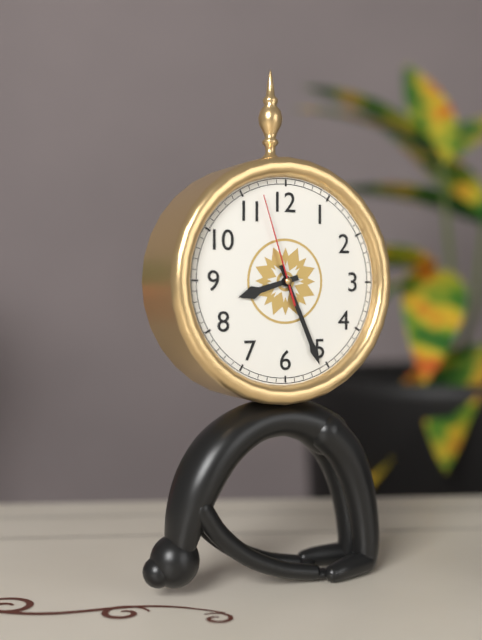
**8:26:57**
